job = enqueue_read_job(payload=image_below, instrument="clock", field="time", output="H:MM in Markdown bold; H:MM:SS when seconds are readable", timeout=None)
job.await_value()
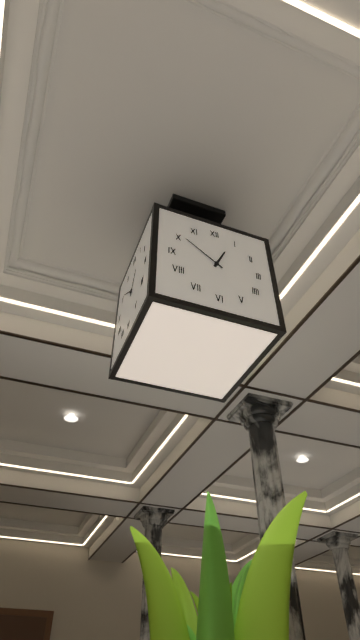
**12:51**
